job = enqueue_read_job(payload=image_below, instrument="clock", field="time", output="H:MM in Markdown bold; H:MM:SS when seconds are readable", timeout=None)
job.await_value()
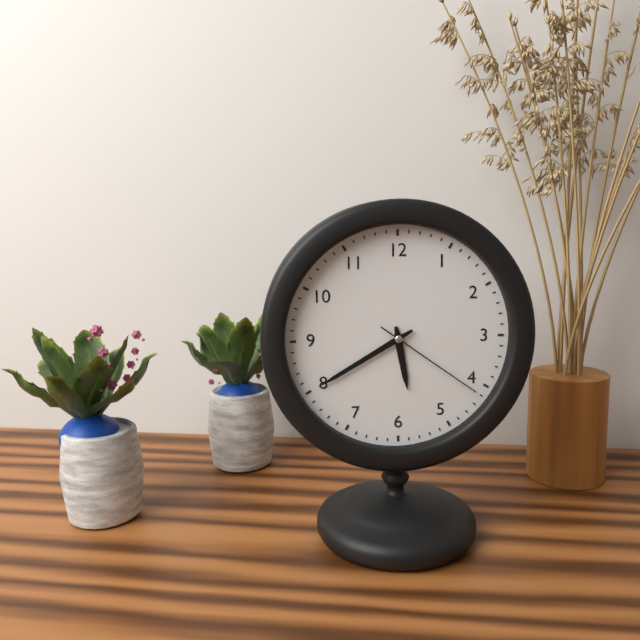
**5:40:21**
